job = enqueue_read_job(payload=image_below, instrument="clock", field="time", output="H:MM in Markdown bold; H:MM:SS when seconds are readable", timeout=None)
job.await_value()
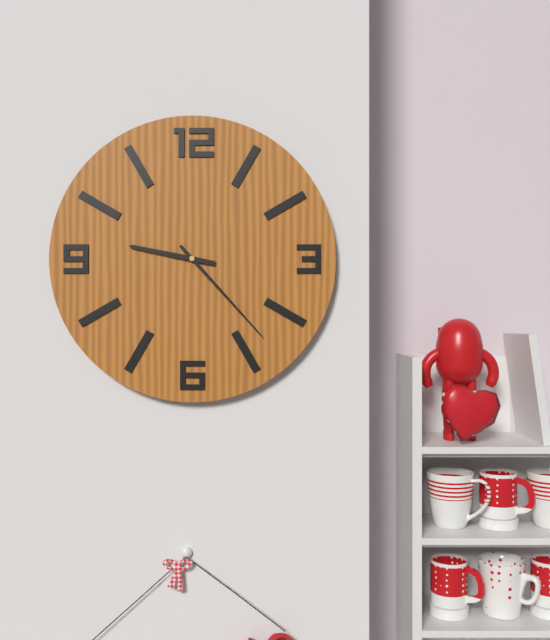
**9:23**
